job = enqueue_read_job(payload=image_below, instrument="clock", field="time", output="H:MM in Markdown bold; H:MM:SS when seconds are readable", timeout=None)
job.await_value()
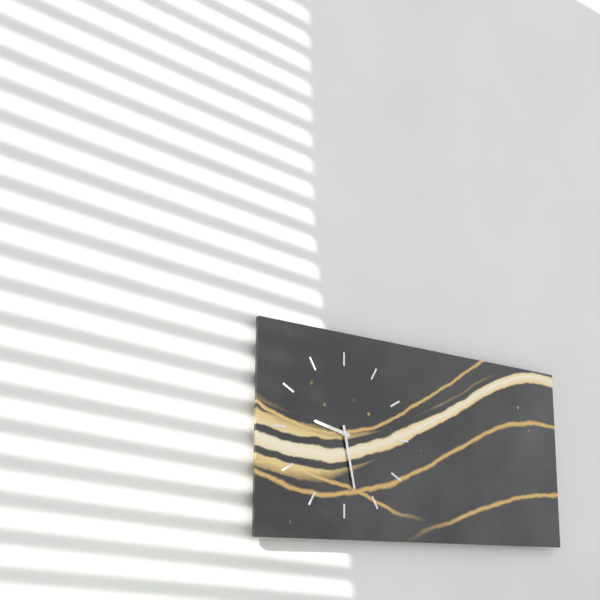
**9:28**
